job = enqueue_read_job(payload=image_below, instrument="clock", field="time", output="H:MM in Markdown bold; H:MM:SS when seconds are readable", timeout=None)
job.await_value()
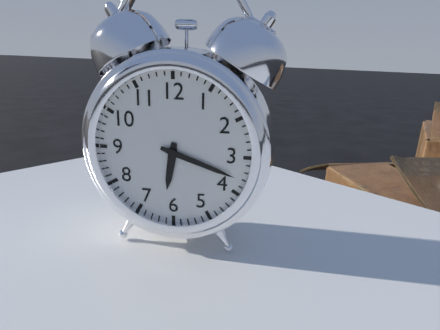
**6:18**
